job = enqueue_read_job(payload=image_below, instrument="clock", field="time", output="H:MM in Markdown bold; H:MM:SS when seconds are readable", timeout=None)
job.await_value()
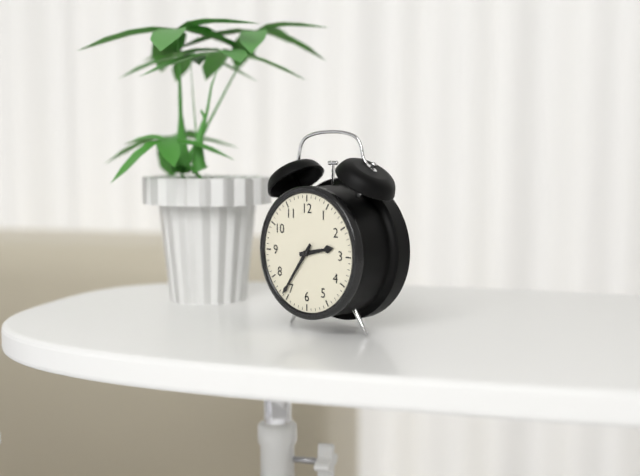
**2:36**
